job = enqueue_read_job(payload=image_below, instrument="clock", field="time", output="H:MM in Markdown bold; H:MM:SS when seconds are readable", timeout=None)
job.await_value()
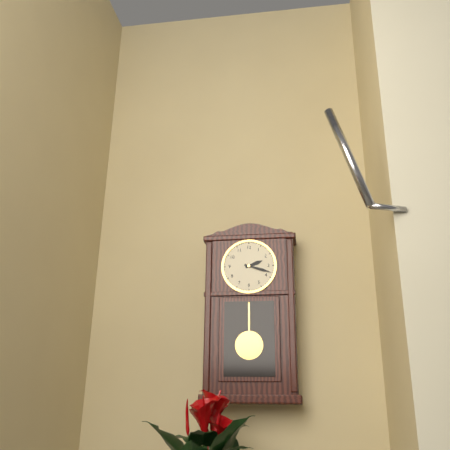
**2:18**
